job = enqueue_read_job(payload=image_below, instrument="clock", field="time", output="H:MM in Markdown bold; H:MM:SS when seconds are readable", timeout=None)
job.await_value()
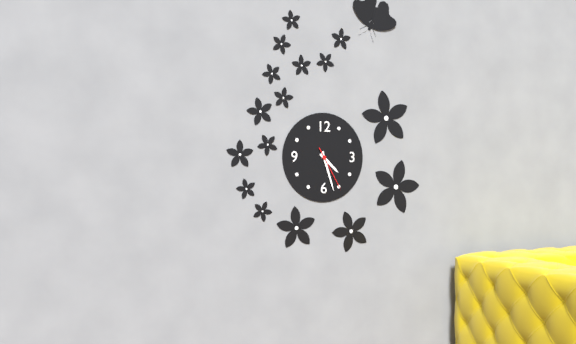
**4:27**
